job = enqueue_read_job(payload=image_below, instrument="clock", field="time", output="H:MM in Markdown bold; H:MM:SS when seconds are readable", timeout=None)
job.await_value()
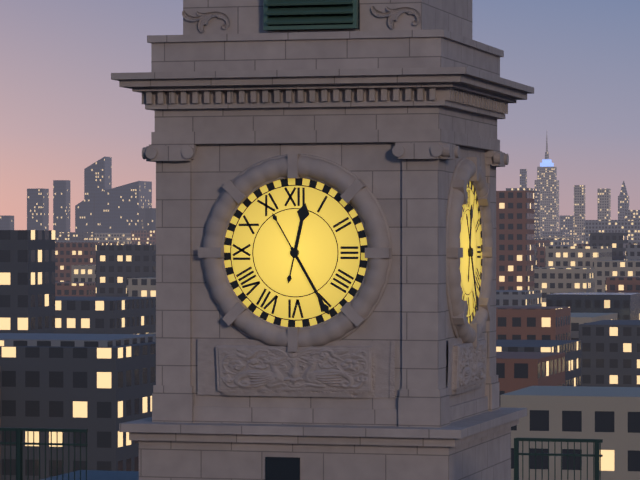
**12:25**
